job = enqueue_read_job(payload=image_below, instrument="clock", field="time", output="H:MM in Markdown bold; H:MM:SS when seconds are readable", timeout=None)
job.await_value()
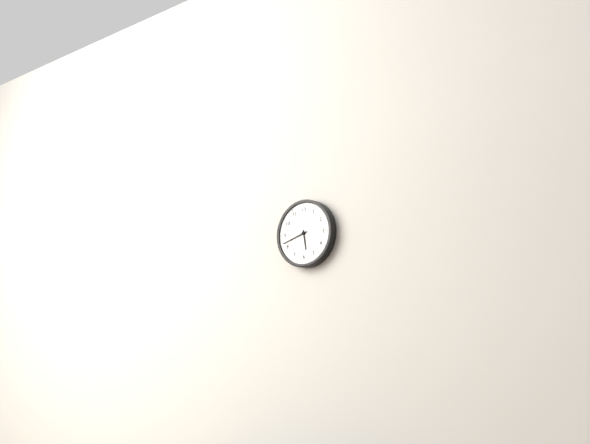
**5:42**
